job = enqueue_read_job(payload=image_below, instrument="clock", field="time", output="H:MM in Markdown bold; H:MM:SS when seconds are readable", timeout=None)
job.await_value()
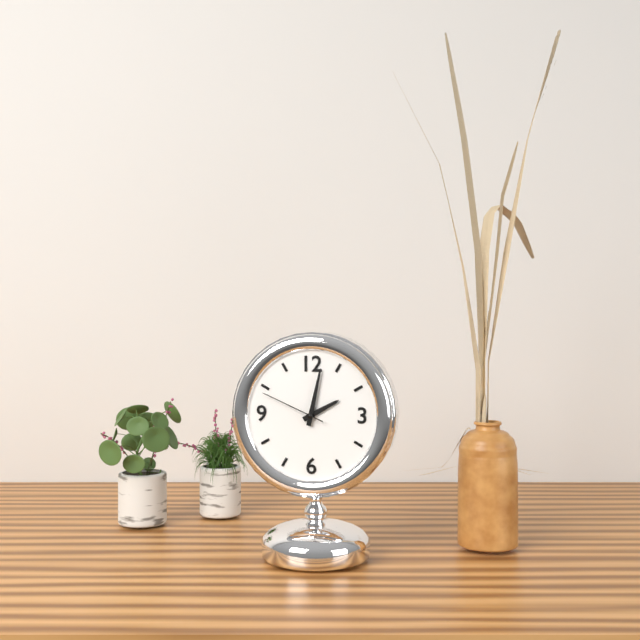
**2:02:49**
